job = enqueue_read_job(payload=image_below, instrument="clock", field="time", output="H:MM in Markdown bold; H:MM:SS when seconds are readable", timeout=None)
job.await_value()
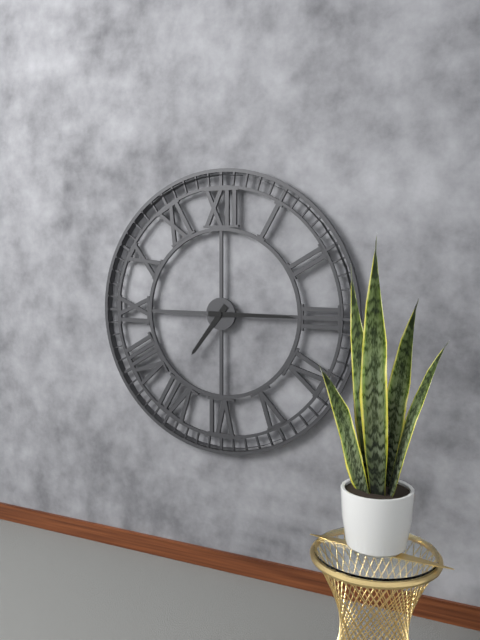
**7:15**
